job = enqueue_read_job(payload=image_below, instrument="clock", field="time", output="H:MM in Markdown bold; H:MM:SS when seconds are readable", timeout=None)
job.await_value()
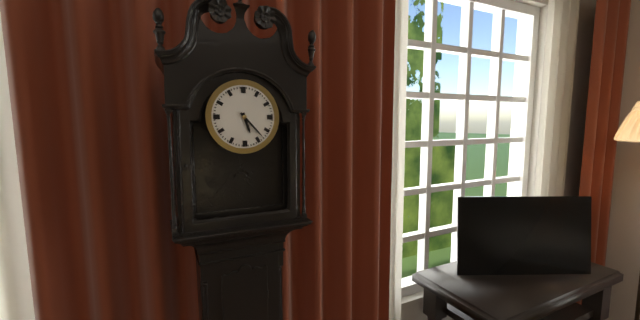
**5:23**
